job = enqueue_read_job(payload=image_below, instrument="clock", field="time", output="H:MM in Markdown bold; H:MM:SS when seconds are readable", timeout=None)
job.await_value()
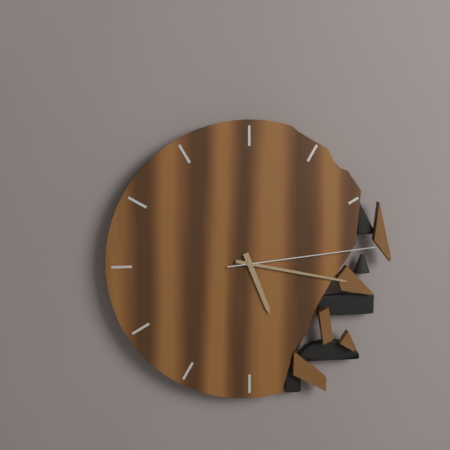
**5:17:14**
